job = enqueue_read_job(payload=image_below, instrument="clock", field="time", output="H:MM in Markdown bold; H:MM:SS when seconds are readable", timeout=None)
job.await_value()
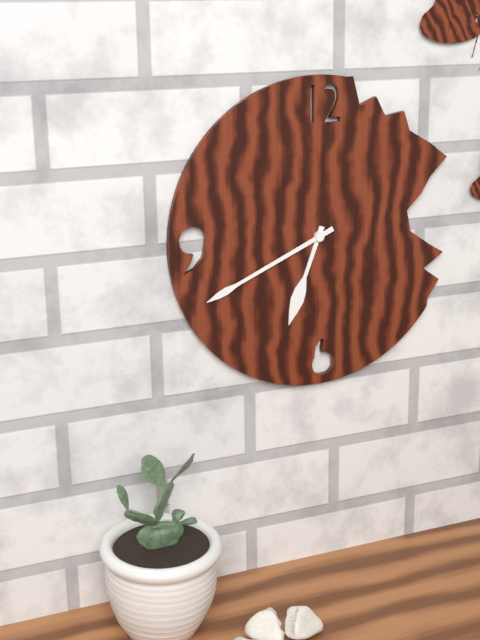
**6:41**
